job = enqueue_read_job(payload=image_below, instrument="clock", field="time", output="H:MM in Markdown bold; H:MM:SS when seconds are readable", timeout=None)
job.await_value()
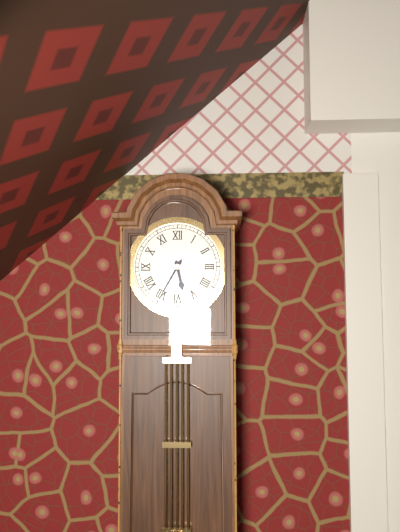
**5:35**
